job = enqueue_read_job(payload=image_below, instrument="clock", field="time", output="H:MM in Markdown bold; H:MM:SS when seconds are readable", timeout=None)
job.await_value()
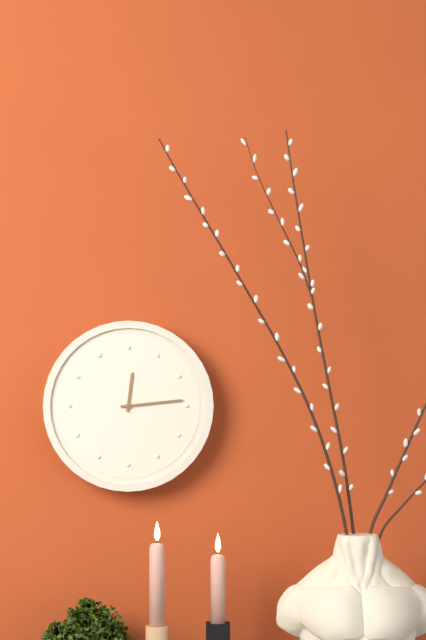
**12:14**
